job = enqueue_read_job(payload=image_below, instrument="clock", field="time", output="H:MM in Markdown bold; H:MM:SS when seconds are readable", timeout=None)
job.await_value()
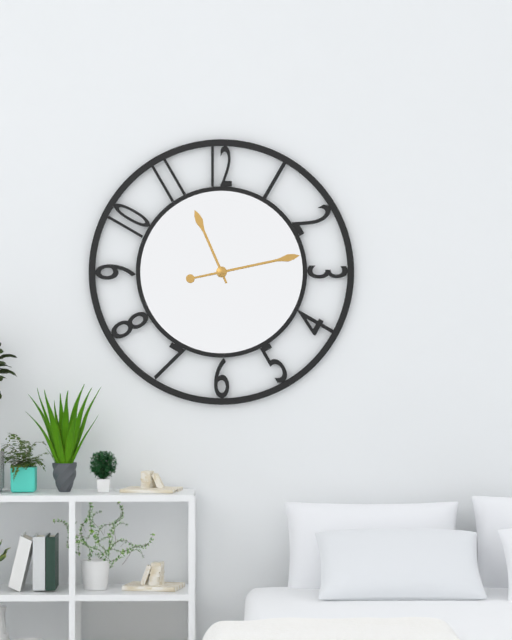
**11:13**
